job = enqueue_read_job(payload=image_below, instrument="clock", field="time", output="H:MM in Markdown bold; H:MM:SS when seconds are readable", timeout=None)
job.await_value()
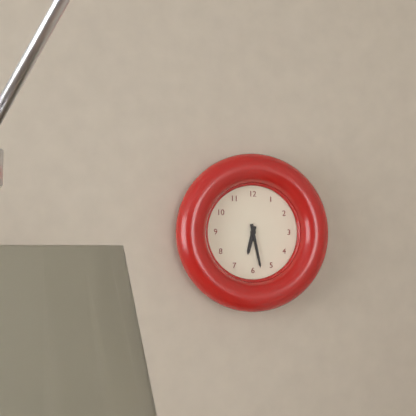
**6:28**
